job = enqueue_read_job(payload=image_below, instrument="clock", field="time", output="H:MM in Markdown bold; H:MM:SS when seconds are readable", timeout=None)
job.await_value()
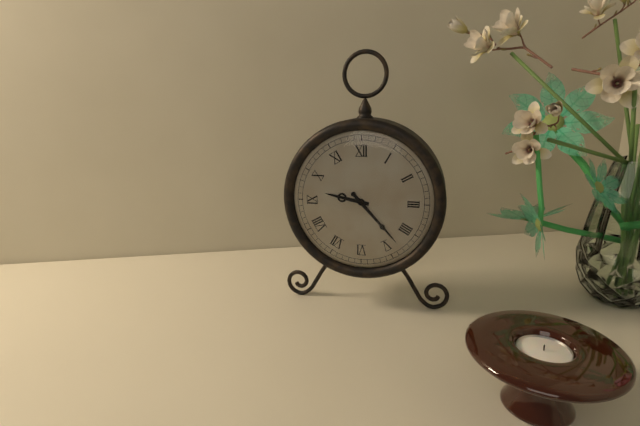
**9:23**
